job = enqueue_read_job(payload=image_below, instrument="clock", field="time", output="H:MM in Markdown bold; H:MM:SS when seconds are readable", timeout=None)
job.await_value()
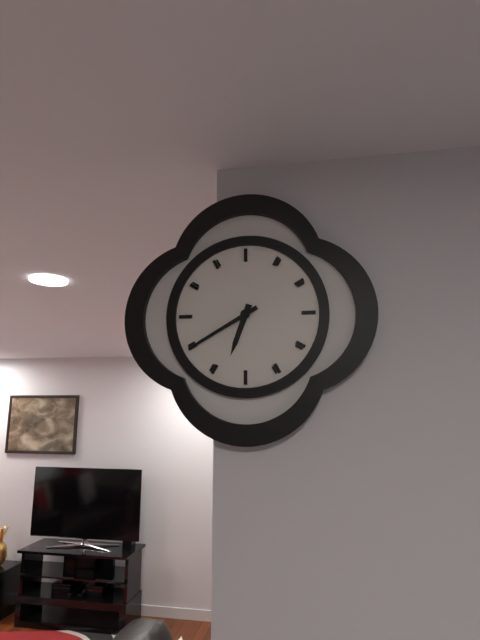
**6:40**
